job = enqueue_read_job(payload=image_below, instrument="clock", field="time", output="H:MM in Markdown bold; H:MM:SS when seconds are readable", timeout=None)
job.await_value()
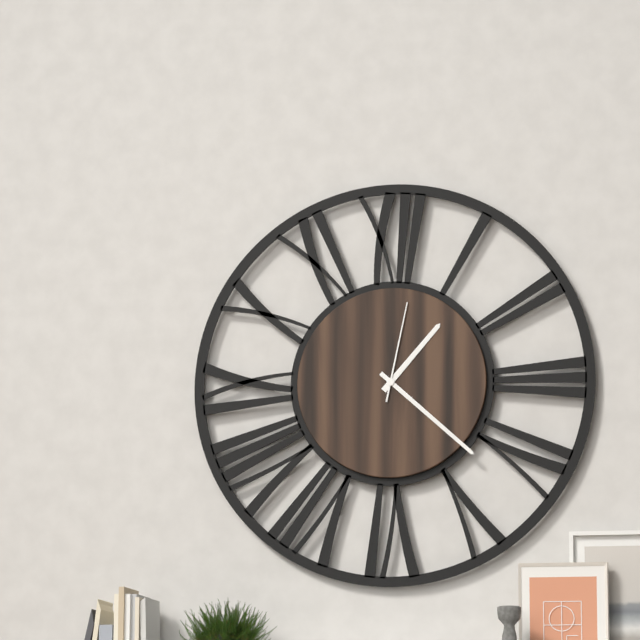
**1:22:02**
